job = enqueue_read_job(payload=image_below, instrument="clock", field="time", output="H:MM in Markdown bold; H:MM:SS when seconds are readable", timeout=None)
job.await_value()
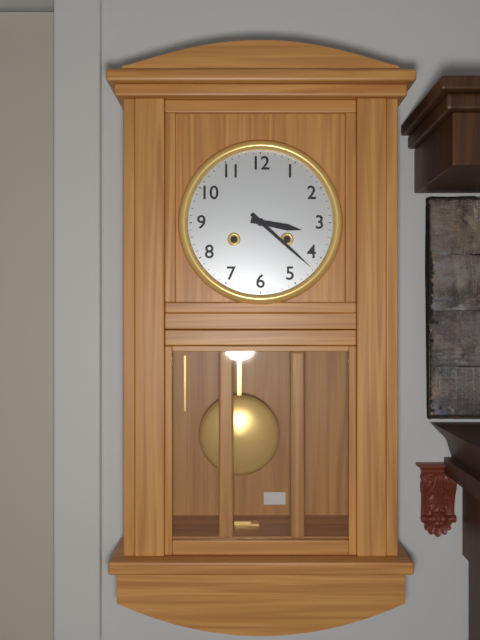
**3:22**
